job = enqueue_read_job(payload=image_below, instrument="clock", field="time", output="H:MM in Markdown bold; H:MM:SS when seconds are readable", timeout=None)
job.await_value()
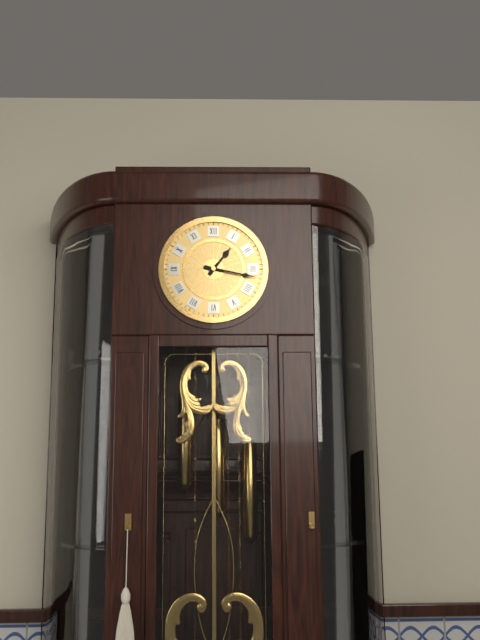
**1:17**
